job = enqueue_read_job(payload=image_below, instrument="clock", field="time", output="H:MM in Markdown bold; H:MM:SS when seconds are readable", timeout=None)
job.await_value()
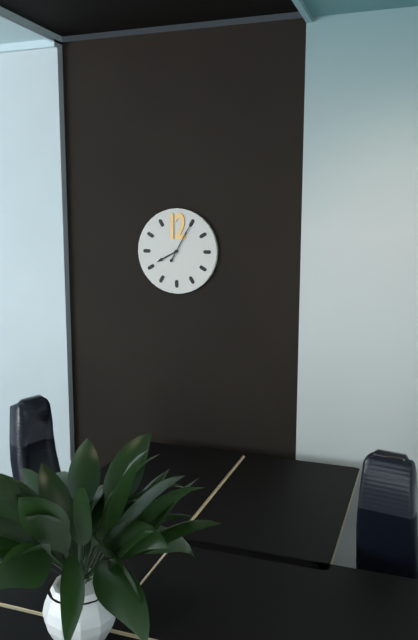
**8:05**
